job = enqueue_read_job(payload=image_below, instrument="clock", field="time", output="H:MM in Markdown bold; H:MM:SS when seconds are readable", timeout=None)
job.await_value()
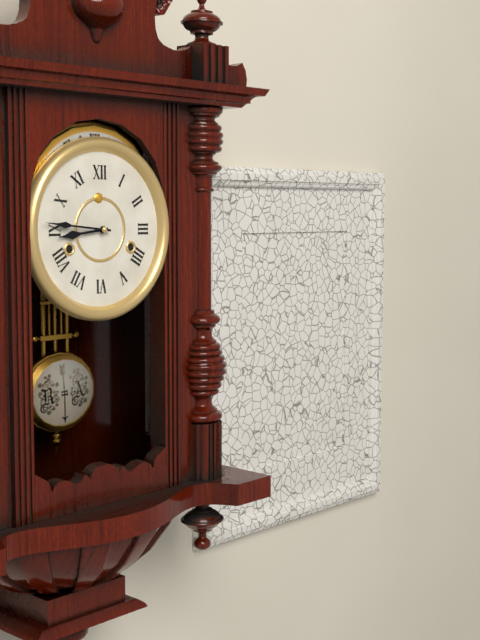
**8:46**
